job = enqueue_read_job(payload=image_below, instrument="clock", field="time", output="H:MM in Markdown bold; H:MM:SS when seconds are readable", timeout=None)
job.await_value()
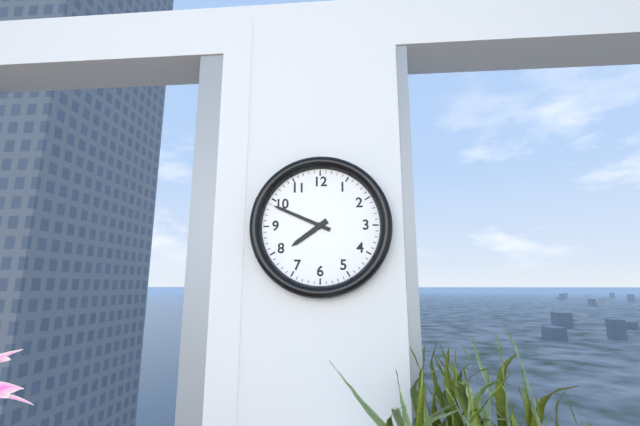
**7:49**
